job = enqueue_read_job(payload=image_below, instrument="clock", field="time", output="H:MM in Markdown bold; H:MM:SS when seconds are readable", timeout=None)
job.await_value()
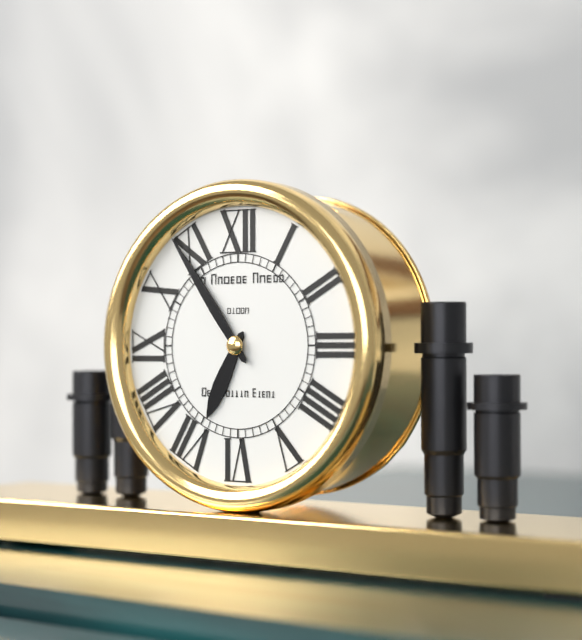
**6:54**
